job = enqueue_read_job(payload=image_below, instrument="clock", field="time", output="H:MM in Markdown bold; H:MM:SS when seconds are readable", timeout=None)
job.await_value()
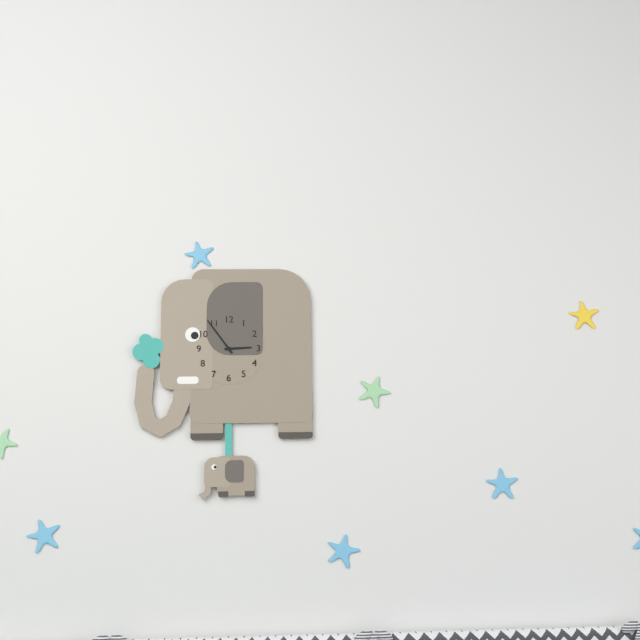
**2:54**
